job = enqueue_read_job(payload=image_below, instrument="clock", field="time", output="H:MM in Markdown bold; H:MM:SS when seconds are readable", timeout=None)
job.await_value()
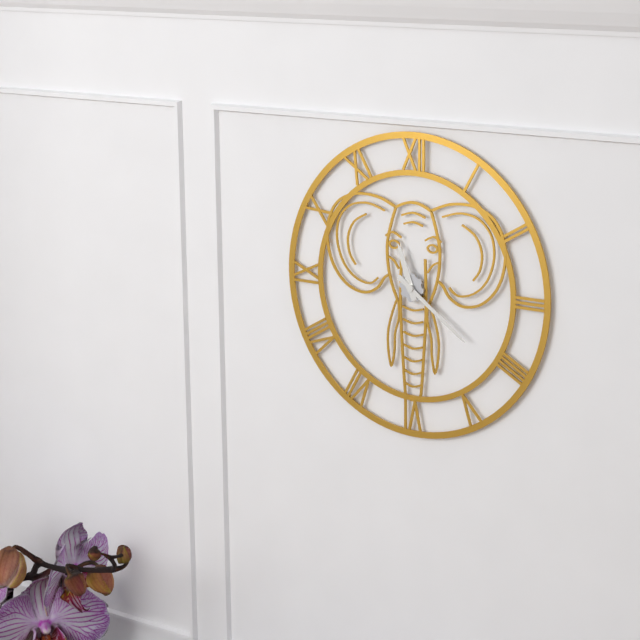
**11:21**
